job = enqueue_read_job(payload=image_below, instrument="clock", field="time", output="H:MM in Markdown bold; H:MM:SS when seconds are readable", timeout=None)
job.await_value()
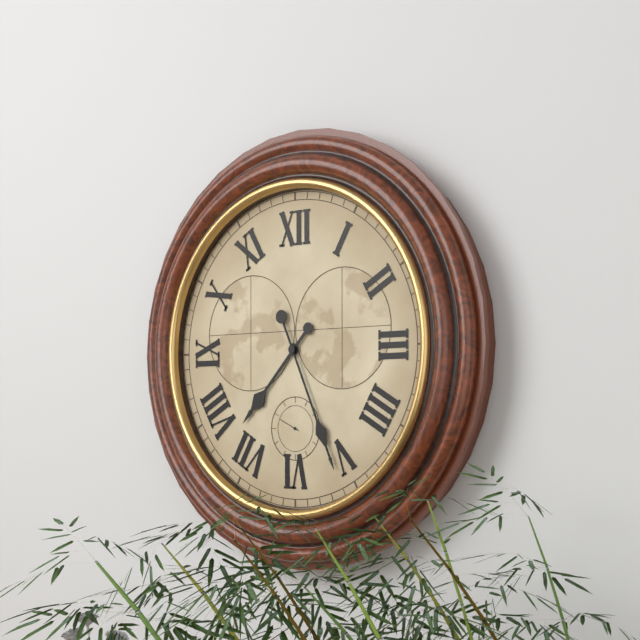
**7:26**
